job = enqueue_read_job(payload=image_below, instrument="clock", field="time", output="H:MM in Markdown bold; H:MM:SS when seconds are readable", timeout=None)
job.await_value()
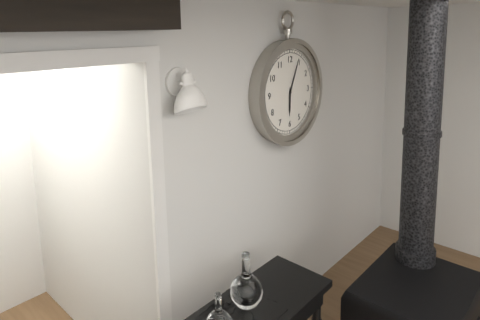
**6:04**
